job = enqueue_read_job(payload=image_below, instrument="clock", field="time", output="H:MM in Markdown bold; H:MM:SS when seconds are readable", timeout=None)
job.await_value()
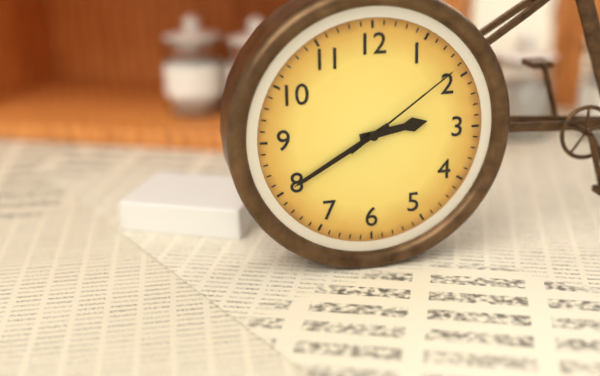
**2:40:09**
